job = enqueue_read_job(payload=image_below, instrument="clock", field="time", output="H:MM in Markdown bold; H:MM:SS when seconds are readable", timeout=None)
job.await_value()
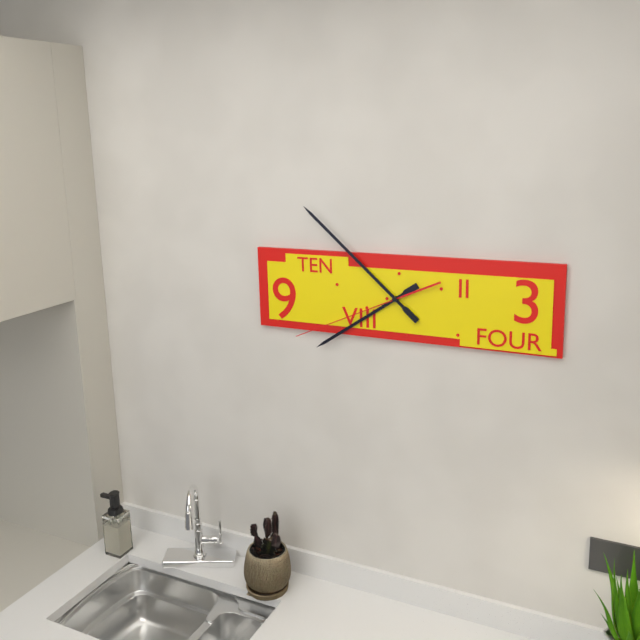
**7:52:41**
